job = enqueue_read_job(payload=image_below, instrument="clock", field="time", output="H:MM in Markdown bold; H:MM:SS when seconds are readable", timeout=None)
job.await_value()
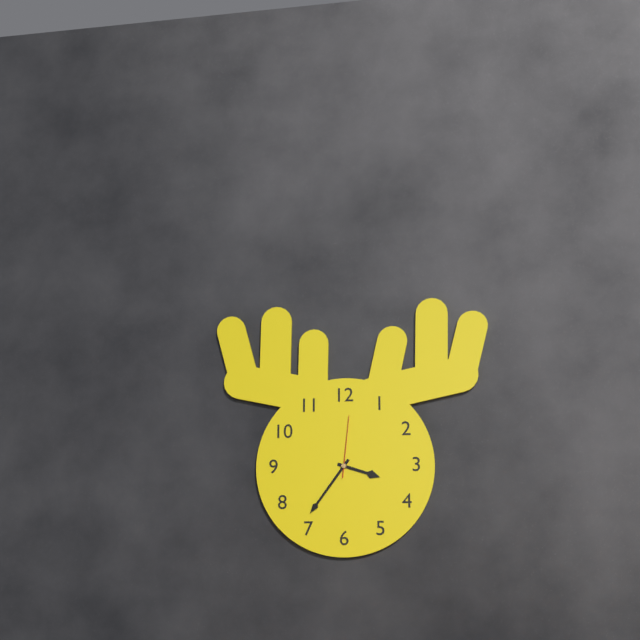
**3:36:01**
